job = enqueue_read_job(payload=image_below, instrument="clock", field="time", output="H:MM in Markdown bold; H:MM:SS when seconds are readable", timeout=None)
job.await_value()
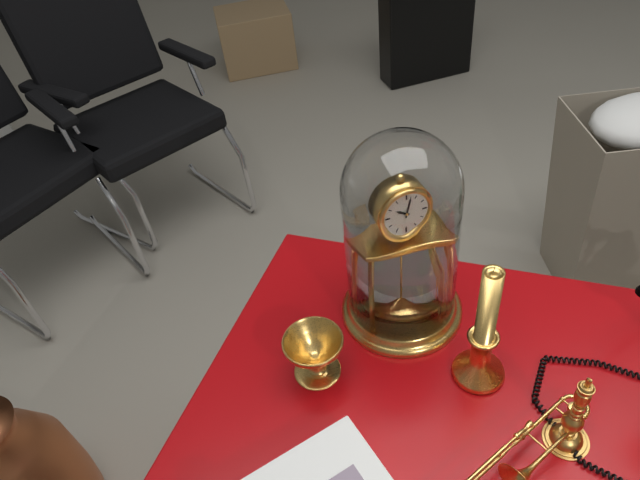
**10:02**
